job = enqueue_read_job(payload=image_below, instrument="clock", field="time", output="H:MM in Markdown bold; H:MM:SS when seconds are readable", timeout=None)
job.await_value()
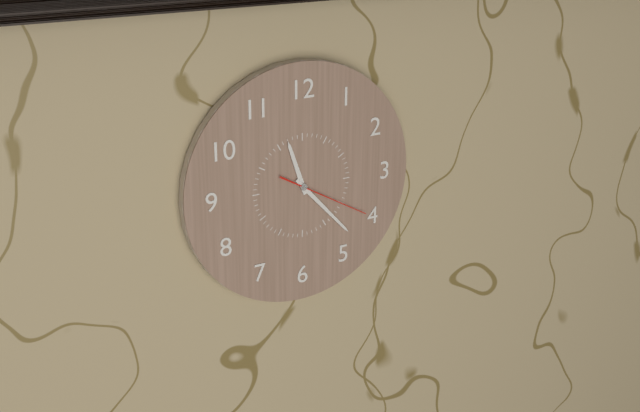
**11:23:20**
